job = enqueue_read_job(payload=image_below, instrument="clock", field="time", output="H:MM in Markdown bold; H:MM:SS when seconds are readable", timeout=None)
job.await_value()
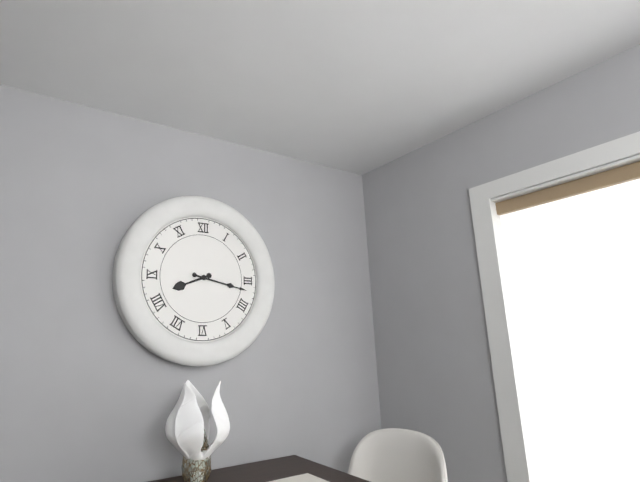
**8:17**
